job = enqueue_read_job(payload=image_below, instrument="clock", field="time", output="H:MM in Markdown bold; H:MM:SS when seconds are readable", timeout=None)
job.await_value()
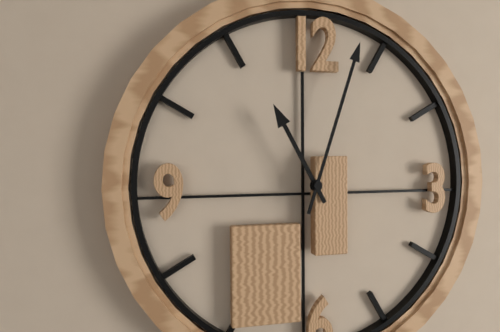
**11:03**
